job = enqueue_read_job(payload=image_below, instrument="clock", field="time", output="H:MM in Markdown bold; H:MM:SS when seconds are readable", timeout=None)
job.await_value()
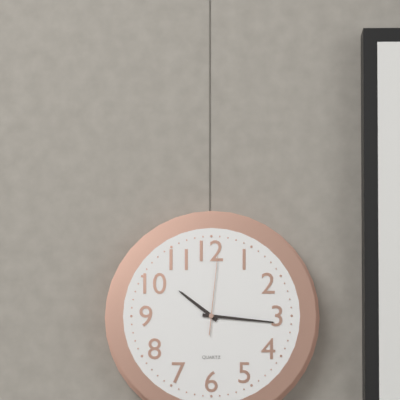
**10:16:01**
